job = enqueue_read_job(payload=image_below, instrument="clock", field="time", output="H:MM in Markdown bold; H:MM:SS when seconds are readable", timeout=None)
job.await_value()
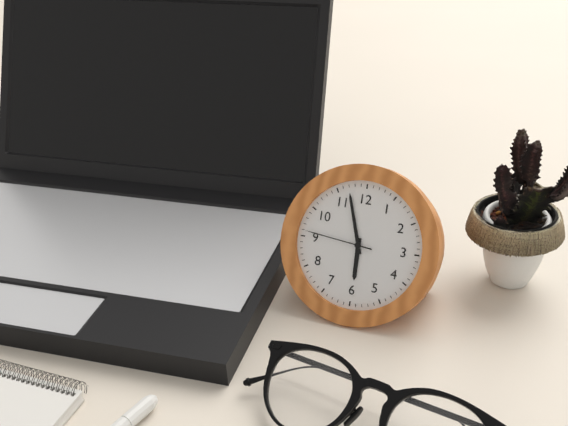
**5:57:46**
